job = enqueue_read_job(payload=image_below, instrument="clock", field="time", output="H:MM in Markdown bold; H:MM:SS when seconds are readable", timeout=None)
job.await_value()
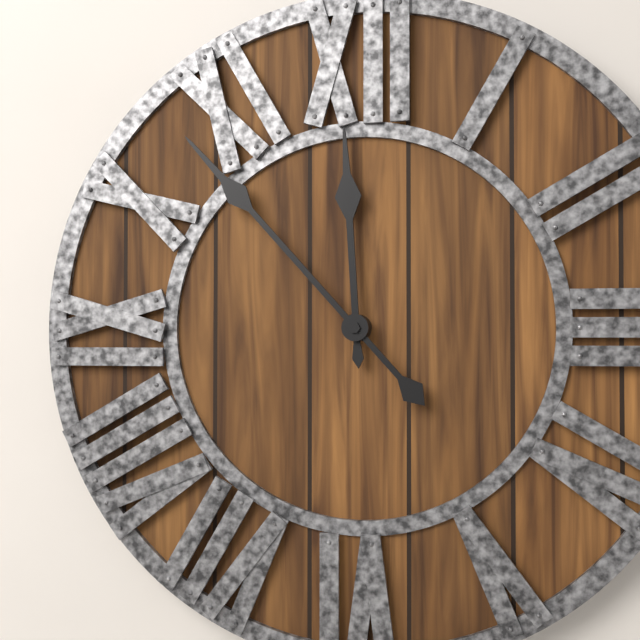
**11:53**
